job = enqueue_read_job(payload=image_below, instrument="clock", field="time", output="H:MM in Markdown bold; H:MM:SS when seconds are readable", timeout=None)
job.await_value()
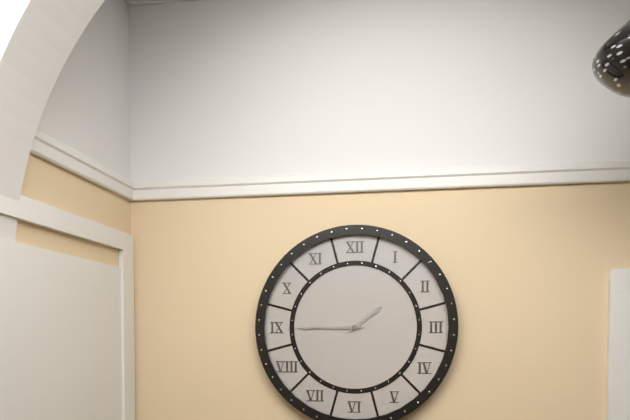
**1:45**
